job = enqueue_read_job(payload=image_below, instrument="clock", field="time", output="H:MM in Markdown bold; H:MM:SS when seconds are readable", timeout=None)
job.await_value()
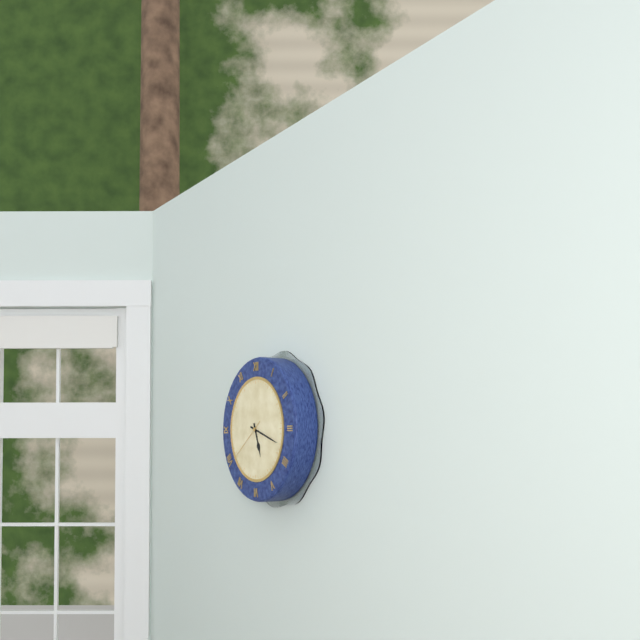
**5:18**
